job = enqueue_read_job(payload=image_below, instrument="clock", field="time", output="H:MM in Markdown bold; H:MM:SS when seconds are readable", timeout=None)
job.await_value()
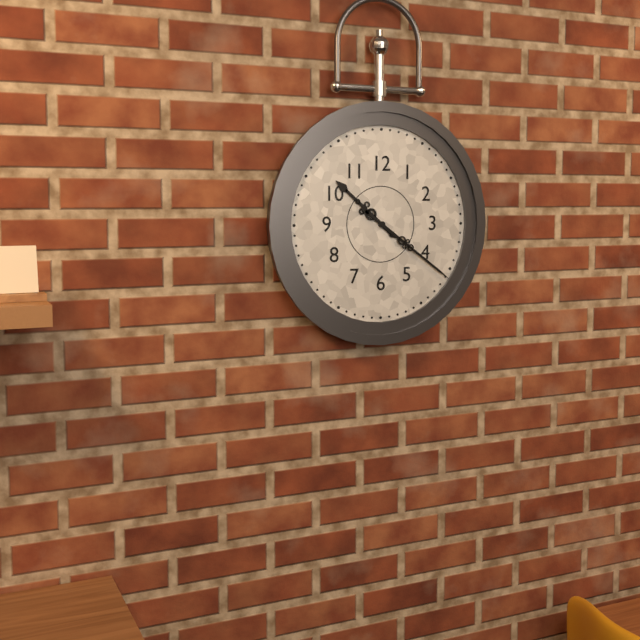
**10:21**
